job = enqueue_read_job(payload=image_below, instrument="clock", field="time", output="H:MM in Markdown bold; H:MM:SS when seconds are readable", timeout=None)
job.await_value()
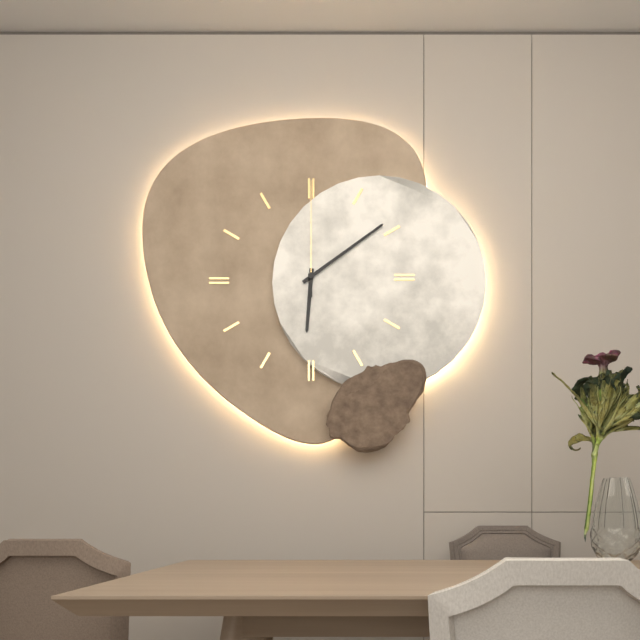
**6:09:00**
